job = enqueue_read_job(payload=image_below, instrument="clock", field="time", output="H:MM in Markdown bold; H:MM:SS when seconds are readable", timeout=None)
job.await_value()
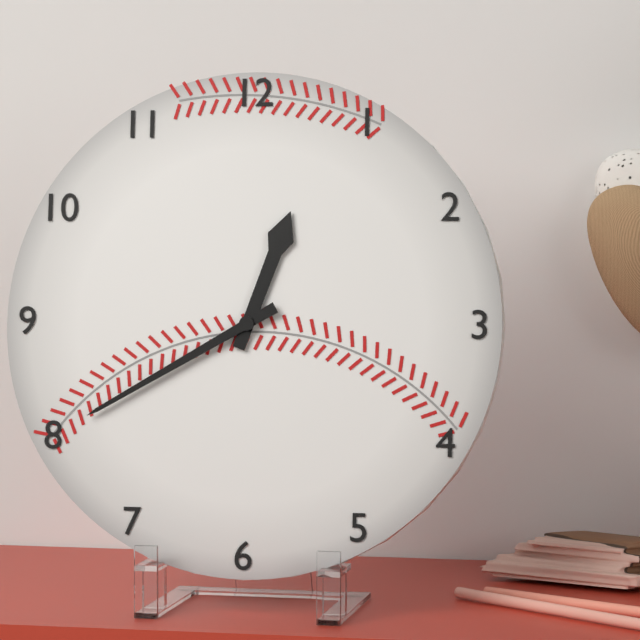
**12:40**
